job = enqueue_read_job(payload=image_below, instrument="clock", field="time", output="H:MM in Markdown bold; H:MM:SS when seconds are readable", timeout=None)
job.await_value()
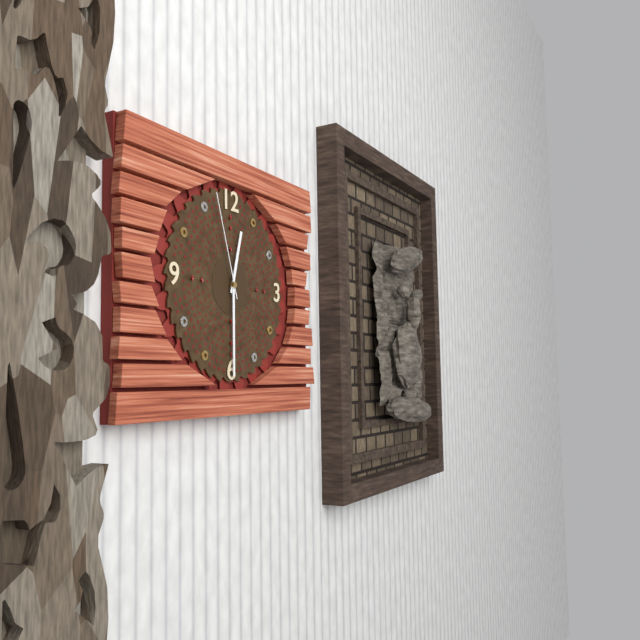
**12:30:57**
